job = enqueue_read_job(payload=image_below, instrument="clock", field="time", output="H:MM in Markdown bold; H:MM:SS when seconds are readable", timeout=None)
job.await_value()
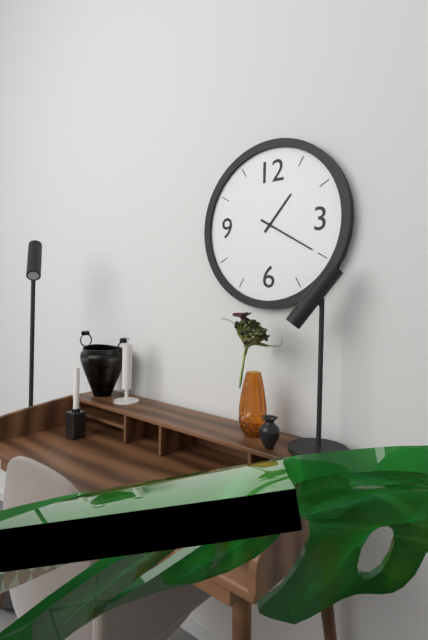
**1:20**
